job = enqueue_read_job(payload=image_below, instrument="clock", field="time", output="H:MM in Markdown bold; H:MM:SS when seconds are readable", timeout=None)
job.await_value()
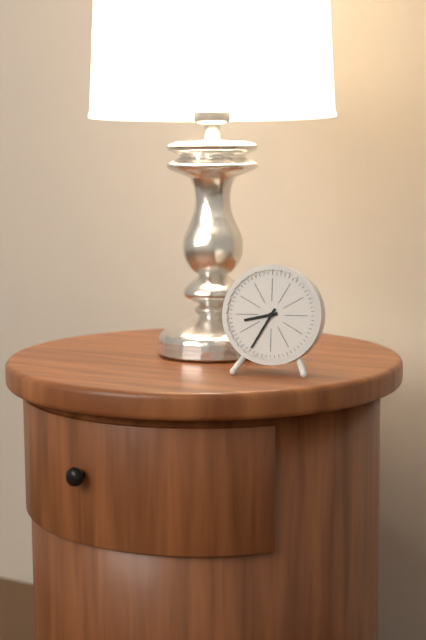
**8:35**
